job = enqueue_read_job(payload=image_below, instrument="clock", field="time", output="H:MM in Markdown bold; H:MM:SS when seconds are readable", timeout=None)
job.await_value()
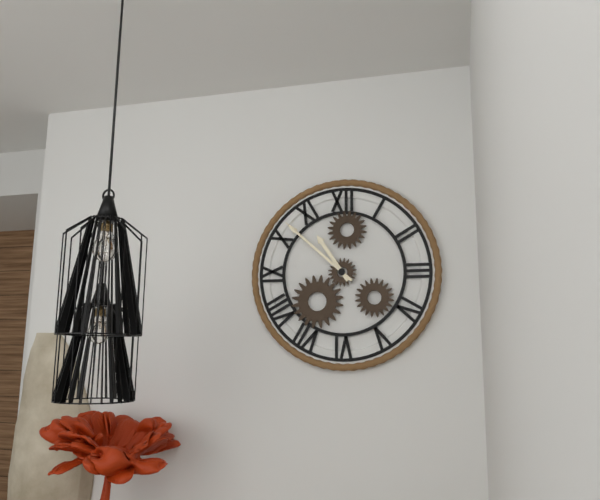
**10:52**
